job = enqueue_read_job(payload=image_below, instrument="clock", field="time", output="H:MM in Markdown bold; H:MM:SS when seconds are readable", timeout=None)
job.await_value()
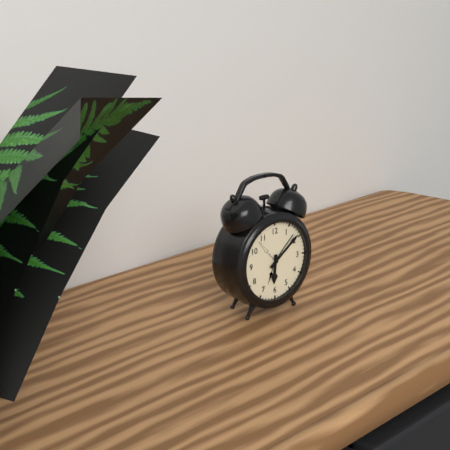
**6:09**
